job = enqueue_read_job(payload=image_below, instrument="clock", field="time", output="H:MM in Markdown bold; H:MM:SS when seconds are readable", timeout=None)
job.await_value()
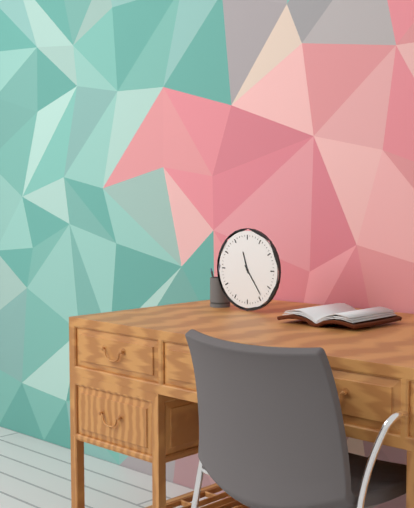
**11:24**
